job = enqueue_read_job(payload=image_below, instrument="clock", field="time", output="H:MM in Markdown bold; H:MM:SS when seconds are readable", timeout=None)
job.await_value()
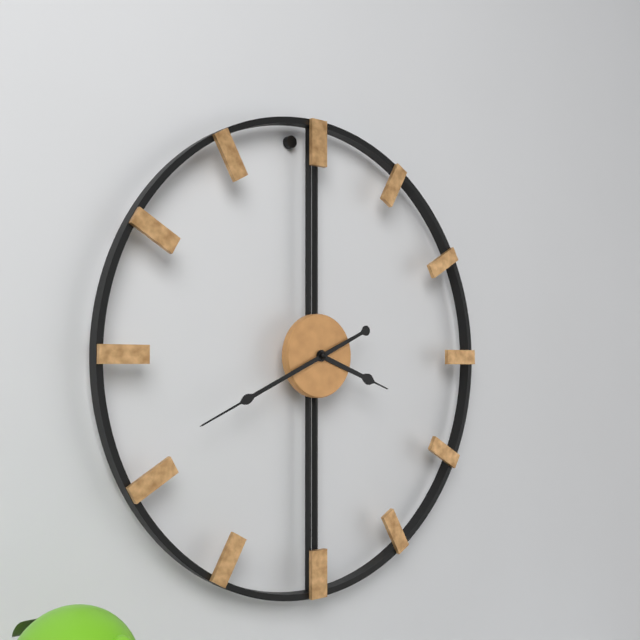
**3:41**
